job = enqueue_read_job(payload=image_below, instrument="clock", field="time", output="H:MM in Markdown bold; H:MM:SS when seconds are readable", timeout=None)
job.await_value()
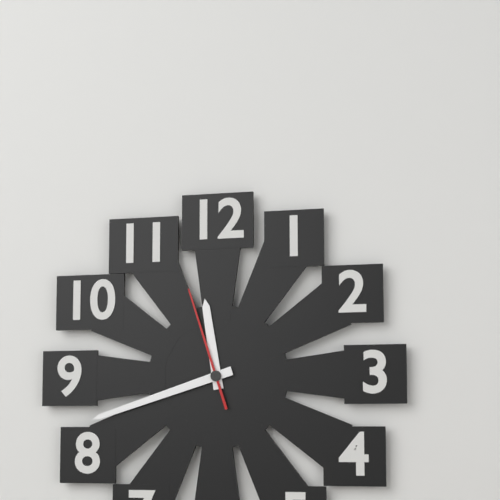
**11:42:57**
